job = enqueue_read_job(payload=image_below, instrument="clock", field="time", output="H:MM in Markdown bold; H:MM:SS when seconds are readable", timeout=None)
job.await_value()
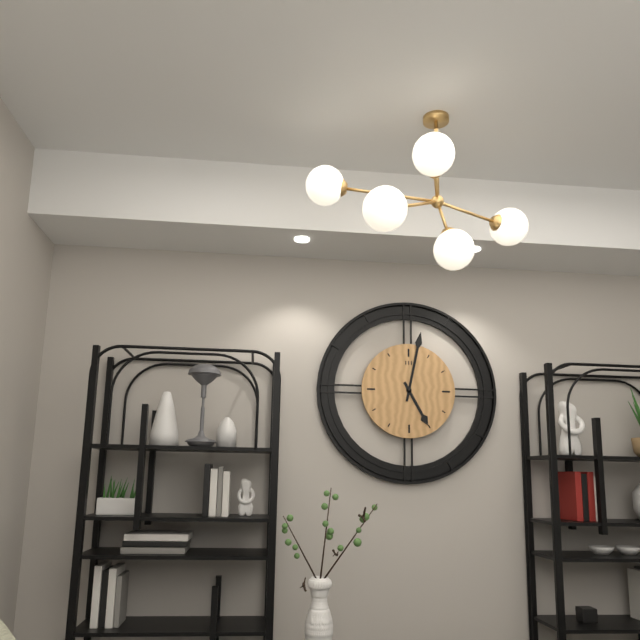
**5:02**
